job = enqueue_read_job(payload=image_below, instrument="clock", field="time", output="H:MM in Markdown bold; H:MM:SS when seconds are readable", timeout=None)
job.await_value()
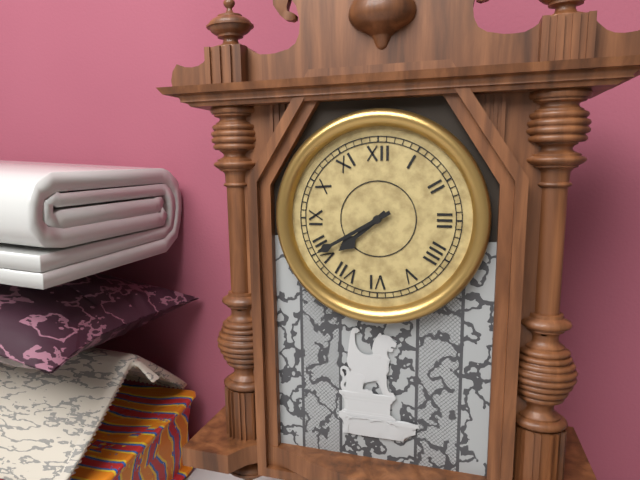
**7:40**
